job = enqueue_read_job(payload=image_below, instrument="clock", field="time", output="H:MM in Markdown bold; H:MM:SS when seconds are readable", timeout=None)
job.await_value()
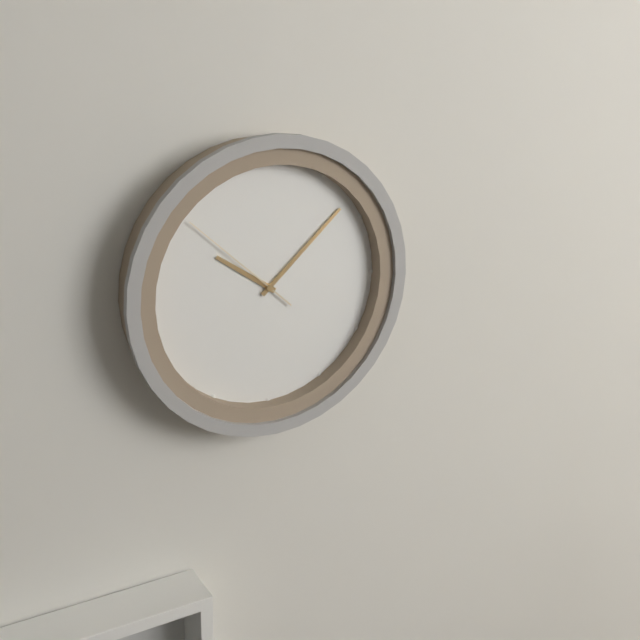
**10:08:52**
